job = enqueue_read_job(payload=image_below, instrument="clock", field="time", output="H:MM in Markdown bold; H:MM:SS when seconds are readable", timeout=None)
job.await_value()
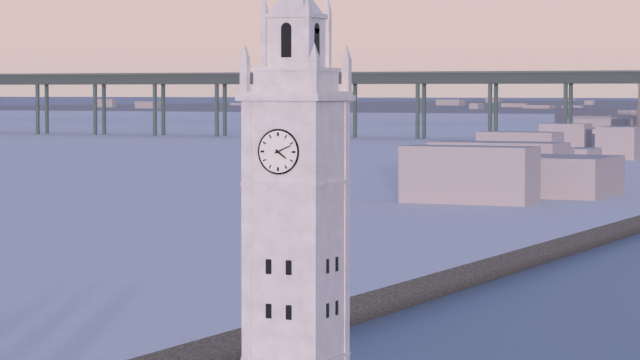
**4:11**
